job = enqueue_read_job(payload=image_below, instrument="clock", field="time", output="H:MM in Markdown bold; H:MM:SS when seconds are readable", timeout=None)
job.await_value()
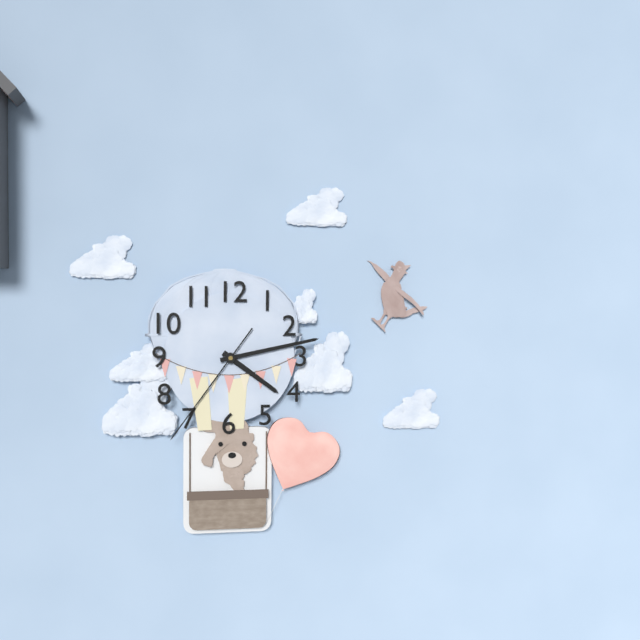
**4:13:36**
